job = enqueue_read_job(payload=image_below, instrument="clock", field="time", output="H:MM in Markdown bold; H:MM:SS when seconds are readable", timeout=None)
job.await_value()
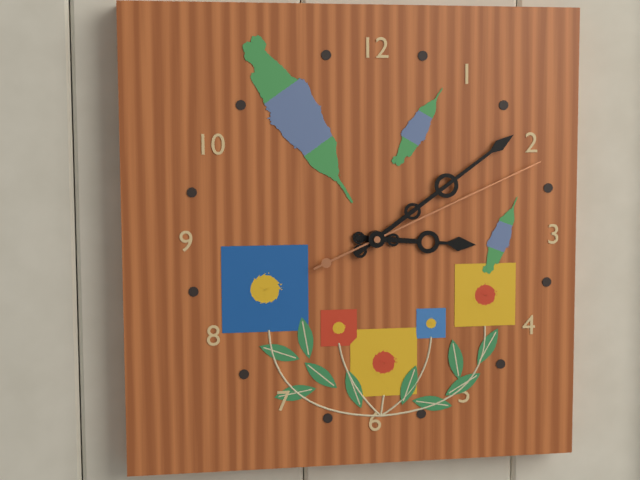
**3:09:11**
